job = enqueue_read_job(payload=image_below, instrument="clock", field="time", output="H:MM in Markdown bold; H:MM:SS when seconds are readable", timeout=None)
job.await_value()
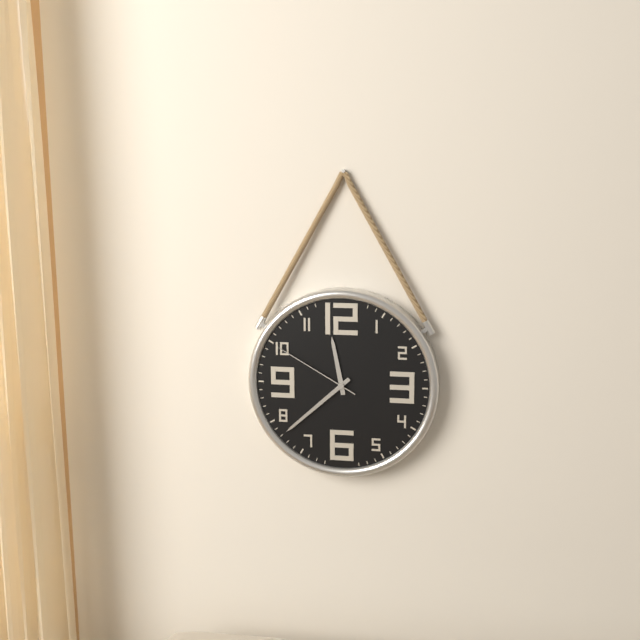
**11:38:50**
